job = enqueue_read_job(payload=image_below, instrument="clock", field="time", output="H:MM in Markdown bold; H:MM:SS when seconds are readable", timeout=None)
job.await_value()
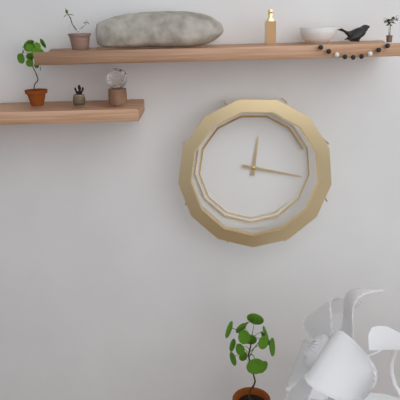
**12:17**
